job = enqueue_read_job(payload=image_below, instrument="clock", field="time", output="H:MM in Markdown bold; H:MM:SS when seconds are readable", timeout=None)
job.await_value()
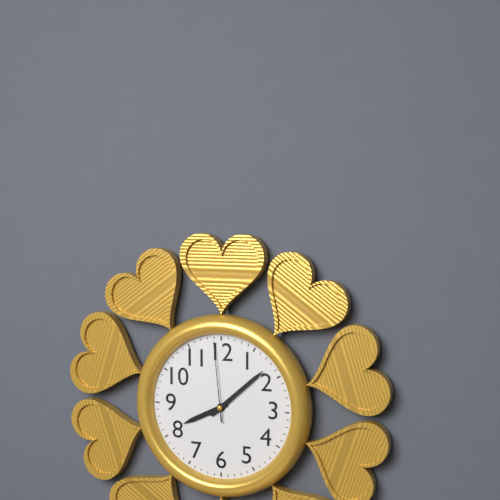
**8:08:59**
